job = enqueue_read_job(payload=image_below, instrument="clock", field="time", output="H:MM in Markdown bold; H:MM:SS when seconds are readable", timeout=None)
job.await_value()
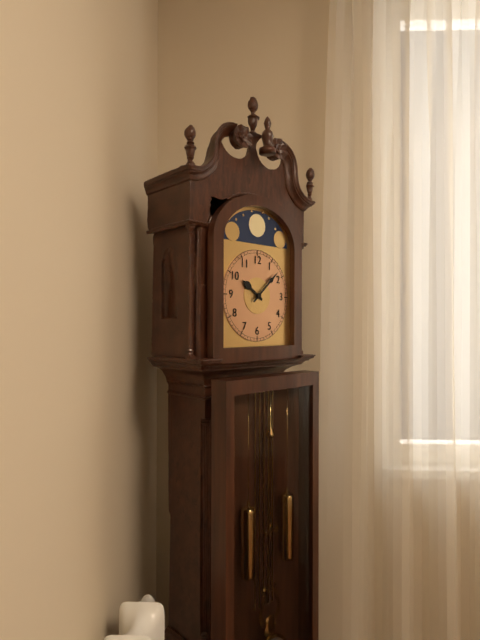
**10:08**
